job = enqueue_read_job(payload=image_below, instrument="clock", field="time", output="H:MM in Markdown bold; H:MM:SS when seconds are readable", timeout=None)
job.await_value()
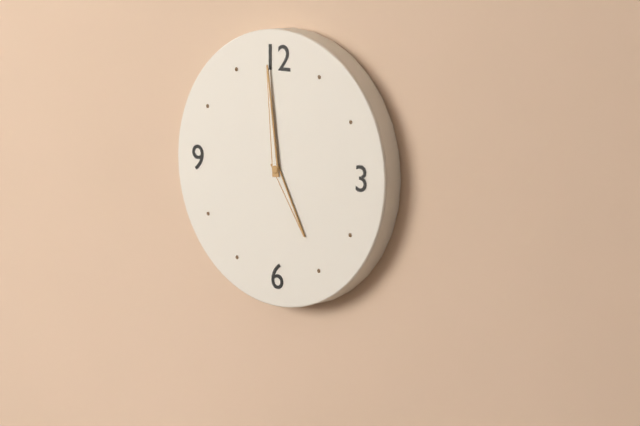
**4:59**
